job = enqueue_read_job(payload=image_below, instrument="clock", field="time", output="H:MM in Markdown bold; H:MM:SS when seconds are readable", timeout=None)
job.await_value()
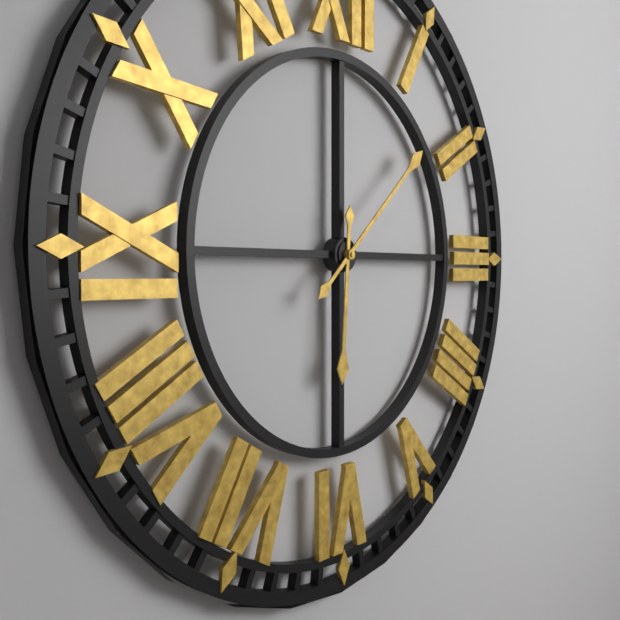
**6:08**
